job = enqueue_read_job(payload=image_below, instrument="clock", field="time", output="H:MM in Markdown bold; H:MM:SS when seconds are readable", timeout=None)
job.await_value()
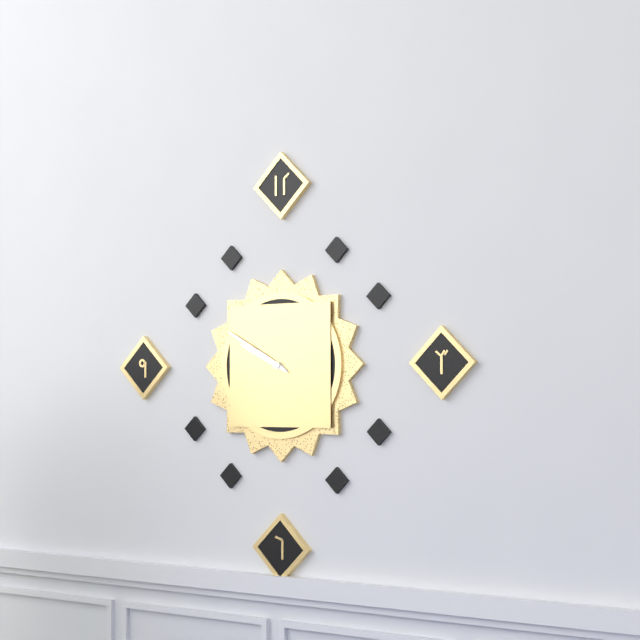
**9:50**
